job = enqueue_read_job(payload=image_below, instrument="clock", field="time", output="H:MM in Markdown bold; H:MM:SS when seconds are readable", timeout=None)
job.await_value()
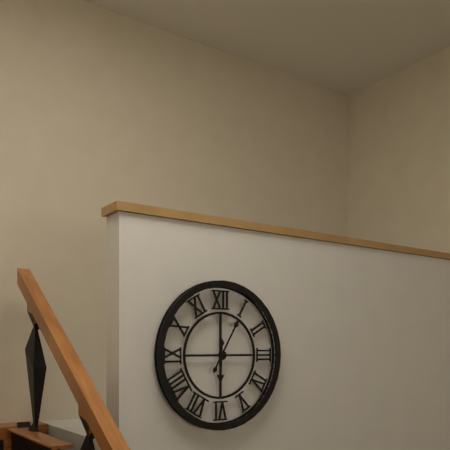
**6:05**
